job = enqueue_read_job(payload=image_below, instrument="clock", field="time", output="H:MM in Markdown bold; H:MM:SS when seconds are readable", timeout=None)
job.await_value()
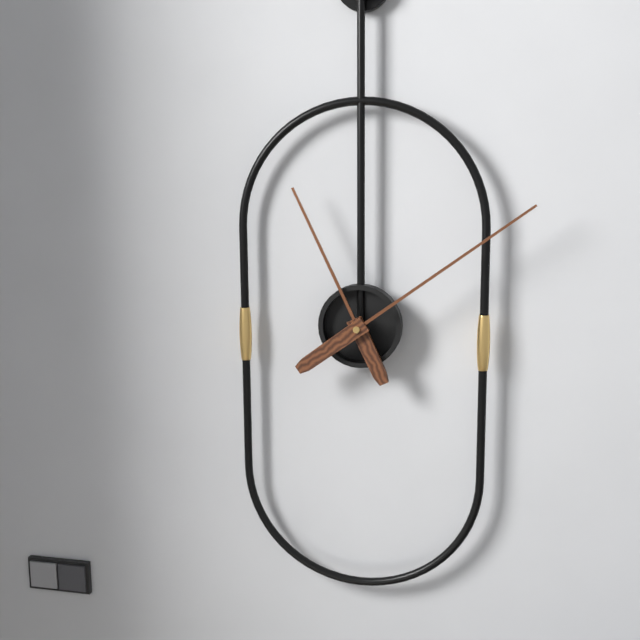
**11:09**
